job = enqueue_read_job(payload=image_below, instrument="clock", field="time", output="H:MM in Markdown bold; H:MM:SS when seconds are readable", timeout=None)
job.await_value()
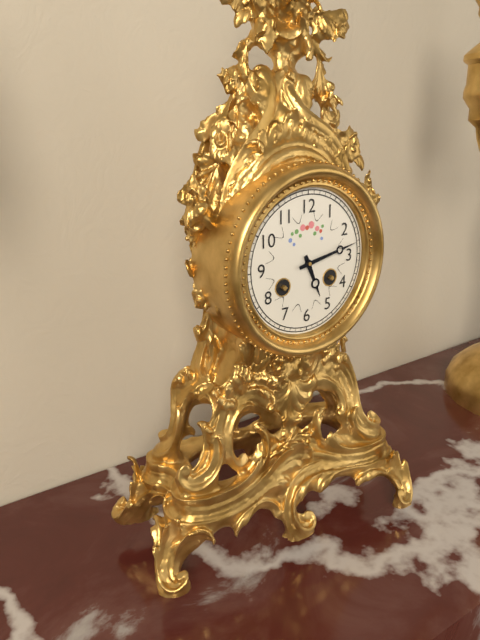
**5:13**
